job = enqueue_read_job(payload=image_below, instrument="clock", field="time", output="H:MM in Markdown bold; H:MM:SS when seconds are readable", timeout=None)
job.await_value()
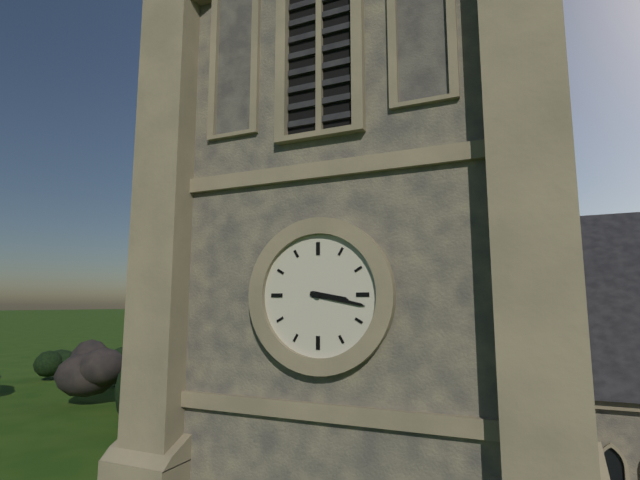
**3:17**
